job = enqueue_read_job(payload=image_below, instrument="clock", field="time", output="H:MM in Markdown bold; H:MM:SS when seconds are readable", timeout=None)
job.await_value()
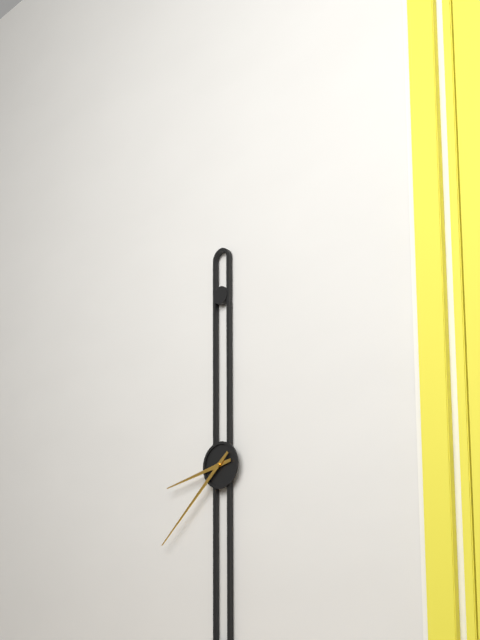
**8:38**
